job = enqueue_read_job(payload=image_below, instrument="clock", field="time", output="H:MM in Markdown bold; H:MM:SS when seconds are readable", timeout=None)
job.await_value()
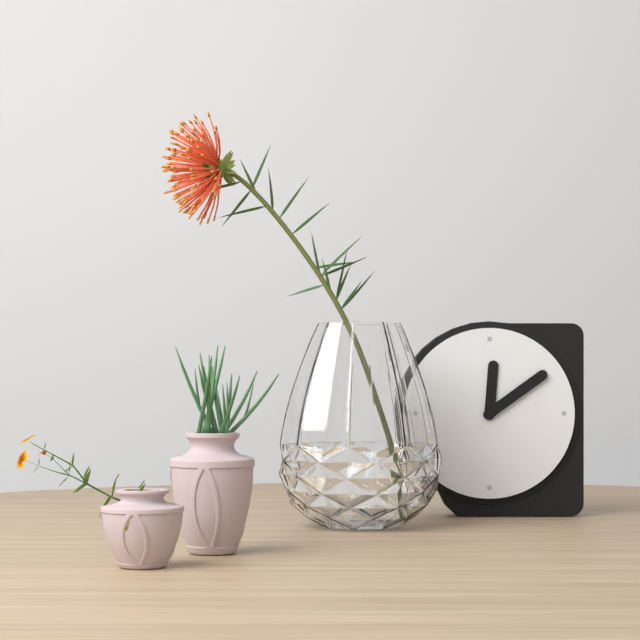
**12:09**
